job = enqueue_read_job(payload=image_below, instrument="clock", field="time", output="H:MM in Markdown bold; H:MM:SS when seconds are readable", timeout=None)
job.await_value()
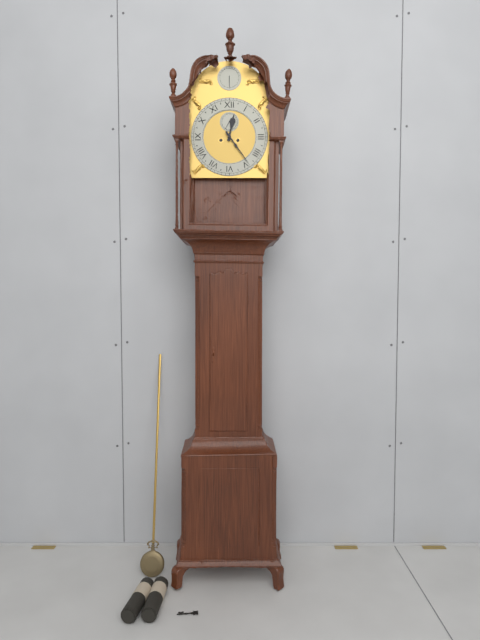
**12:24**
